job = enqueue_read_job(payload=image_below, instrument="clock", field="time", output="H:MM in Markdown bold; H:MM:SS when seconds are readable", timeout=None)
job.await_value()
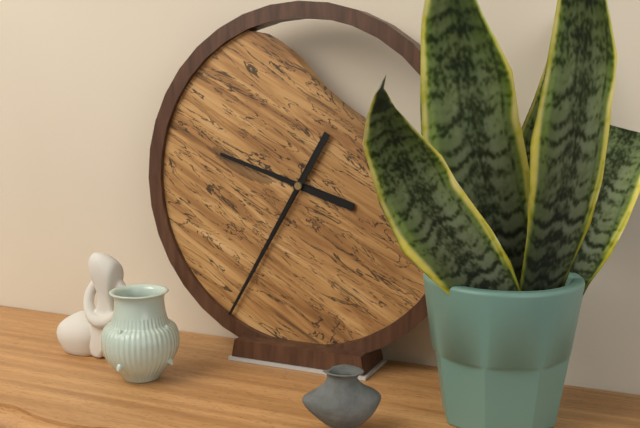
**9:35**
